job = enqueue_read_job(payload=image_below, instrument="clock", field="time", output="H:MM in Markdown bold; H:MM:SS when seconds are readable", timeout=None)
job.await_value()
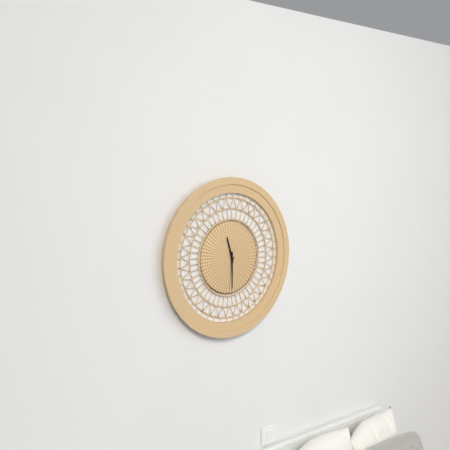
**11:30**
